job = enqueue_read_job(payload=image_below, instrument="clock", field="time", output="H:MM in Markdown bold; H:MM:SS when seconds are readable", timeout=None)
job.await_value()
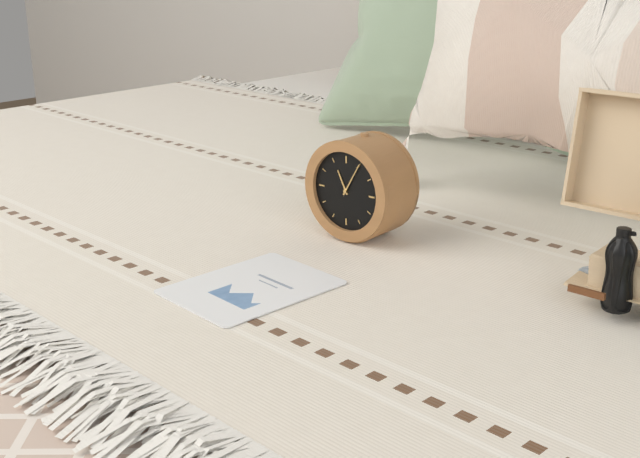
**11:05**
